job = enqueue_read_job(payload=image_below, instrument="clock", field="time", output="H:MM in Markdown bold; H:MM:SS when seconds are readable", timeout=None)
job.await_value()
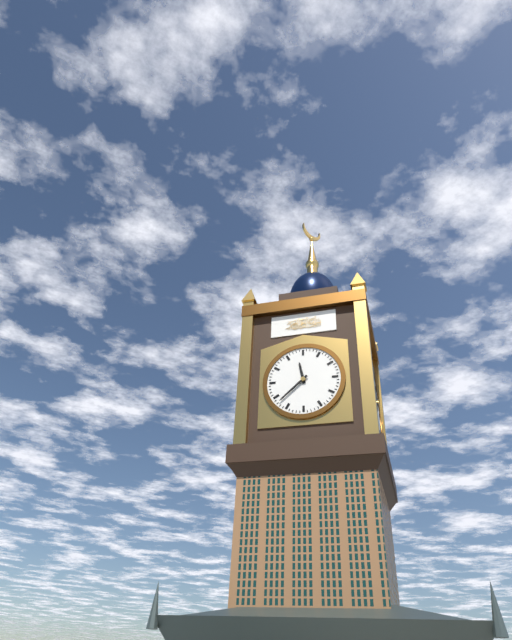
**11:38**
